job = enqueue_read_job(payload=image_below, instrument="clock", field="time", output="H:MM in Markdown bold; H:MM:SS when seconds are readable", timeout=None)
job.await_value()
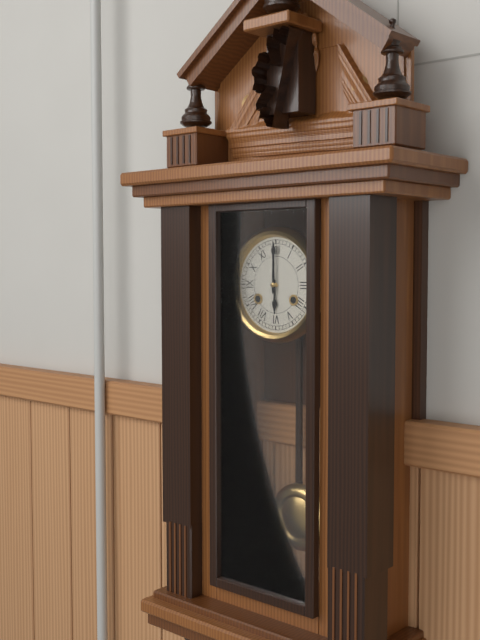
**6:00**
